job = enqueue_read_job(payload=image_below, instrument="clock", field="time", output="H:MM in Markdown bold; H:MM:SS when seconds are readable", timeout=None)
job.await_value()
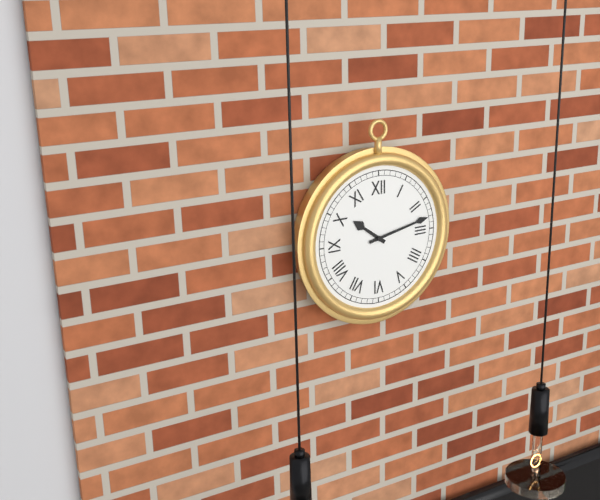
**10:13**
